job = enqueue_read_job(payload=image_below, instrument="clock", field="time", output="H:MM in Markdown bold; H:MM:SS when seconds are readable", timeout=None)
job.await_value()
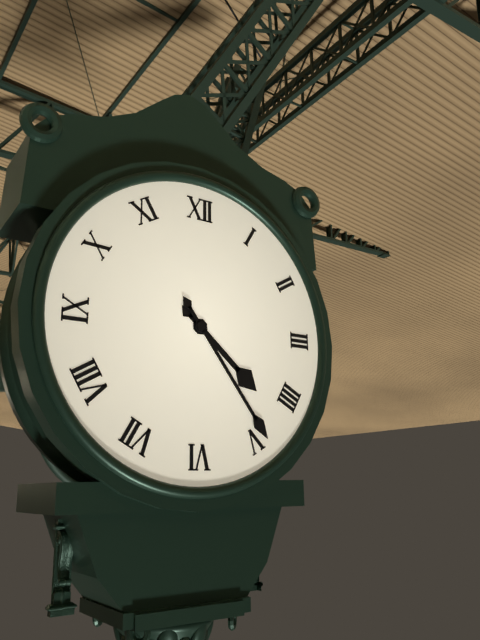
**4:24**
